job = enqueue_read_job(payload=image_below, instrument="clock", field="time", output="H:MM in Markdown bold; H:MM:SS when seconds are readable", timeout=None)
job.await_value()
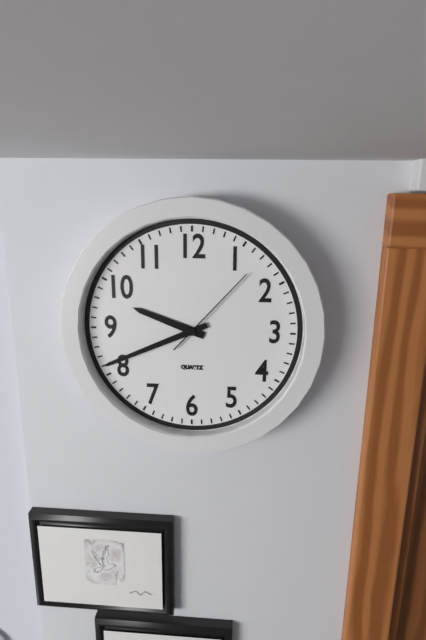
**9:41:07**
